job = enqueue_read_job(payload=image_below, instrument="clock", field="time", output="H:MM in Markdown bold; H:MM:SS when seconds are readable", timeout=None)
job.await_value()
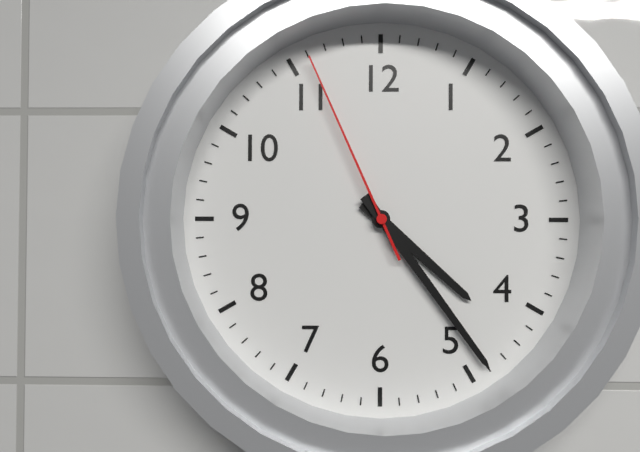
**4:24:56**
